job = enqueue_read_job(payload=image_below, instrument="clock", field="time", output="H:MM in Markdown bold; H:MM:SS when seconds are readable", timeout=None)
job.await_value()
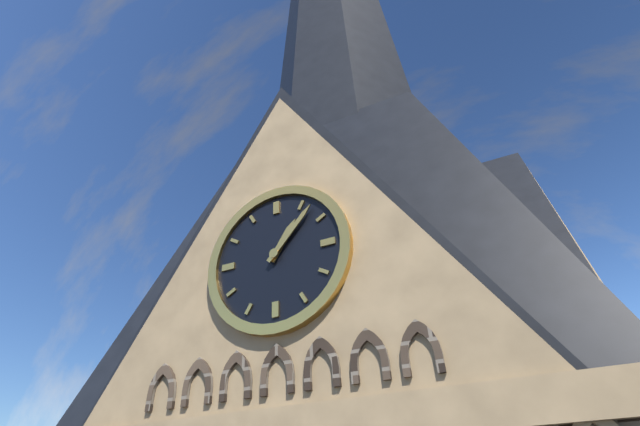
**1:07**
